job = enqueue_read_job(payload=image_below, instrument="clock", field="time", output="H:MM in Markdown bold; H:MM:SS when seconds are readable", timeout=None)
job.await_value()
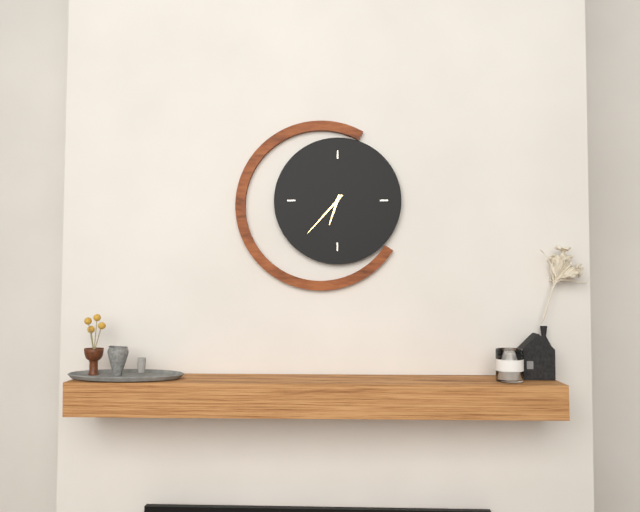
**6:37**
